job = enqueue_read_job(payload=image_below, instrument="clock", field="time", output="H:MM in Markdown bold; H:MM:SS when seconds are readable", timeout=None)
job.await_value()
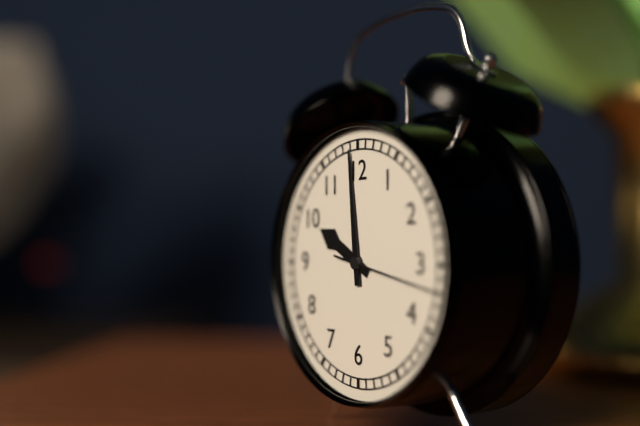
**9:59:17**
